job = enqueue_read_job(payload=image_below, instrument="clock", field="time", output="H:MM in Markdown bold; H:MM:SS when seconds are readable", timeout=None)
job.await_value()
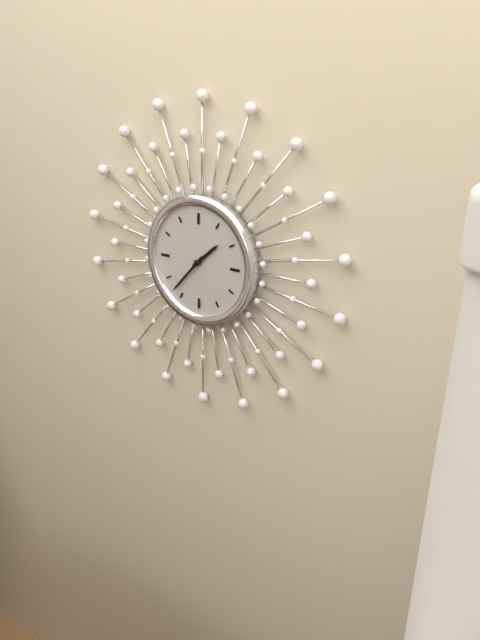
**1:37**
